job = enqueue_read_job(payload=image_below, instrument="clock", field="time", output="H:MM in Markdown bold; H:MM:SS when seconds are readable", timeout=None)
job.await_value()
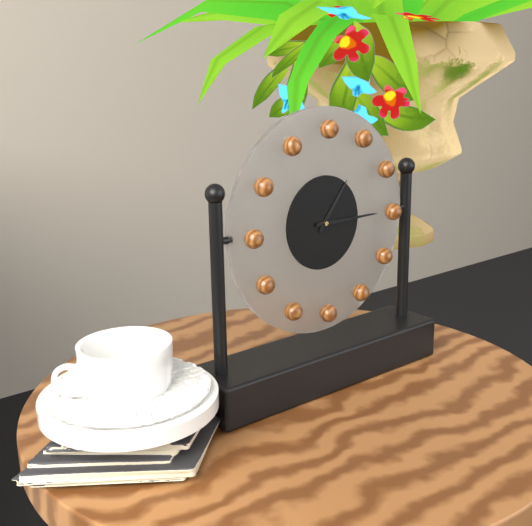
**1:15**
